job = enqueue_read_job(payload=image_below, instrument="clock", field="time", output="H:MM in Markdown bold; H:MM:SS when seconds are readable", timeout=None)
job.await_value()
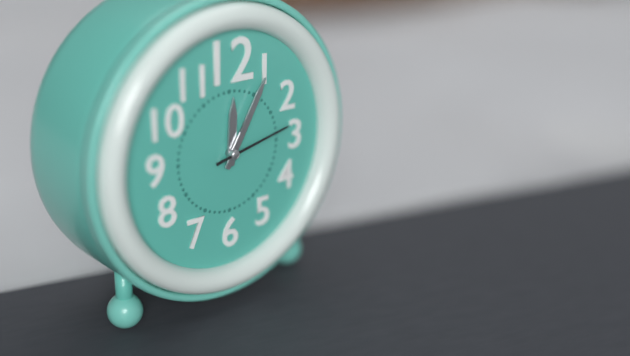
**12:05:13**
